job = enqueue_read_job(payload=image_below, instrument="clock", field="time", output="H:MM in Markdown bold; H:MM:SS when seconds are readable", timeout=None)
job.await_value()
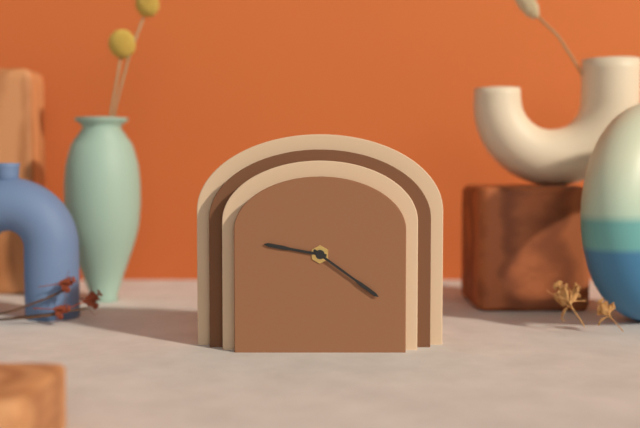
**9:21**
